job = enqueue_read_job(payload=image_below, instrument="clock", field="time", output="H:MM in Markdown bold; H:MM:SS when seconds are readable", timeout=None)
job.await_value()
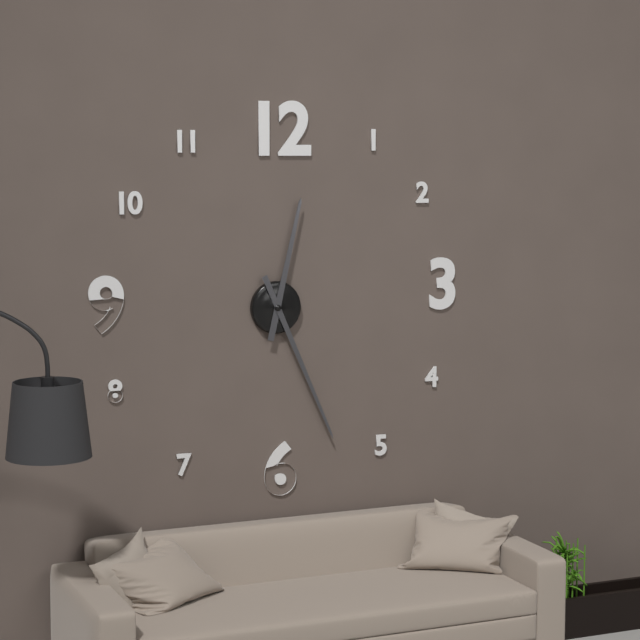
**12:26**
